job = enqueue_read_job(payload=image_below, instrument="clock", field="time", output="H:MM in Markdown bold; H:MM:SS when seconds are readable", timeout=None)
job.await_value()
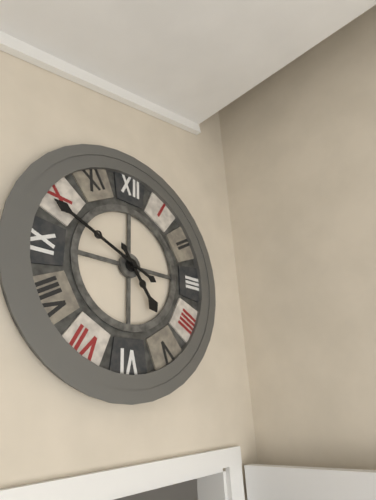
**4:49**
